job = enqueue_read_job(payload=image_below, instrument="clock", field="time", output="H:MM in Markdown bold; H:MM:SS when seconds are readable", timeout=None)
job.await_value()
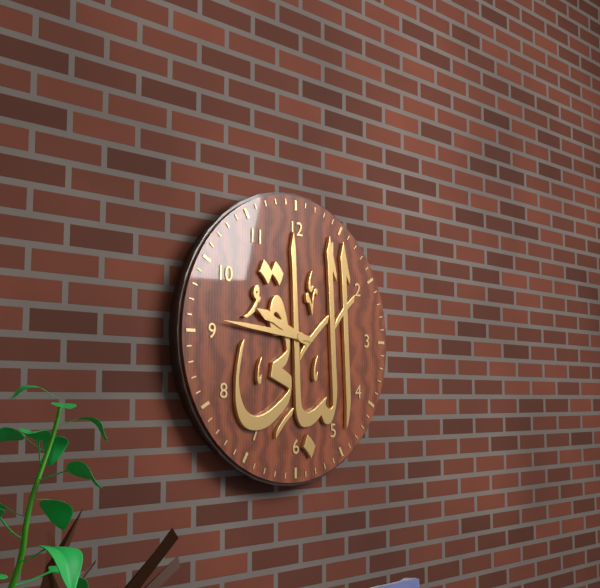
**9:46**
